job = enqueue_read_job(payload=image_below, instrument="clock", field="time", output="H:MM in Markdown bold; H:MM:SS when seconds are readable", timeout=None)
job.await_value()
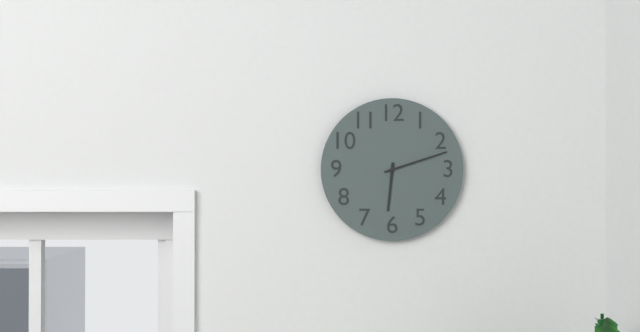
**6:12**
